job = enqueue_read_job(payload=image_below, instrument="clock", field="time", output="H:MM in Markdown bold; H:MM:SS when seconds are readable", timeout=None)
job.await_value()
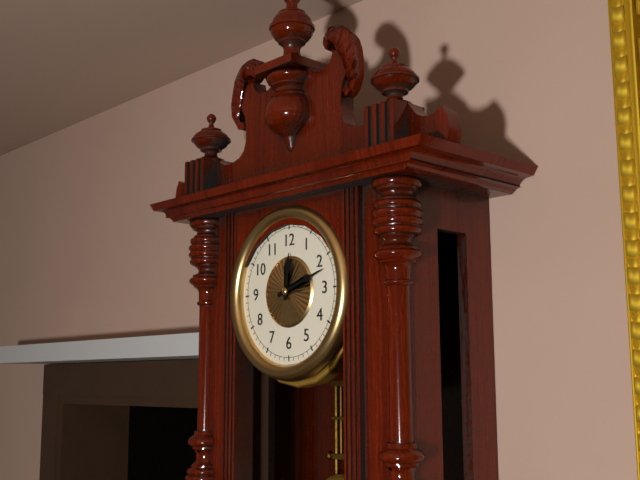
**12:12**
